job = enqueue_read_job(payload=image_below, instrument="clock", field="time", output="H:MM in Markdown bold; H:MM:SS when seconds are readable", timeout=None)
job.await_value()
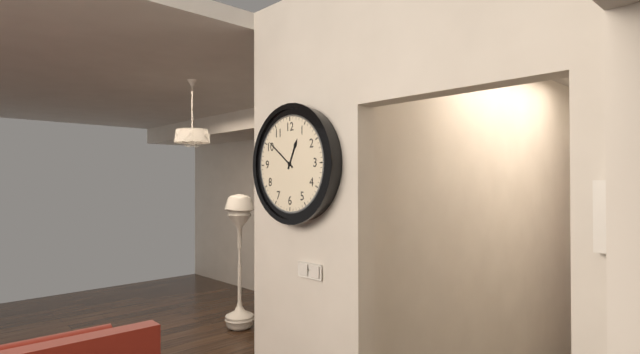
**12:51**
